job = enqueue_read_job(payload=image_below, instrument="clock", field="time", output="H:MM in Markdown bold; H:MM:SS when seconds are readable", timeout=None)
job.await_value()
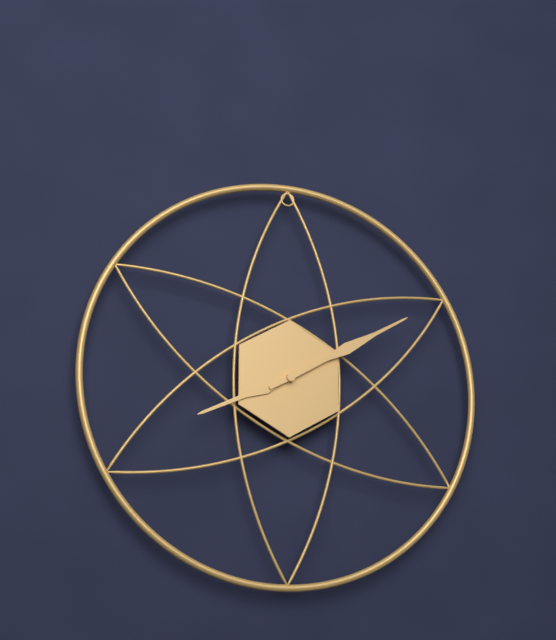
**8:10**
